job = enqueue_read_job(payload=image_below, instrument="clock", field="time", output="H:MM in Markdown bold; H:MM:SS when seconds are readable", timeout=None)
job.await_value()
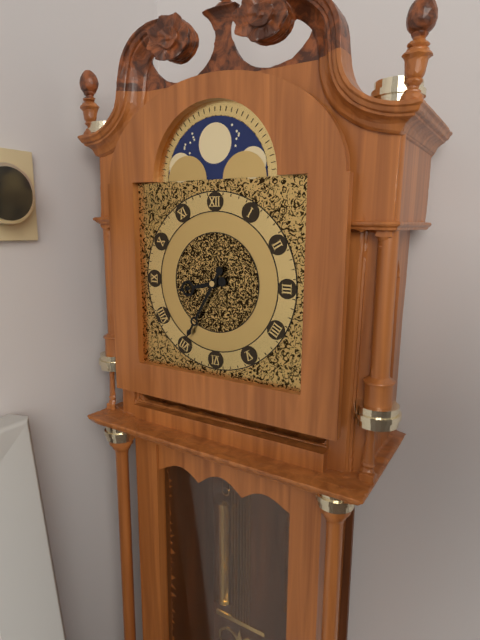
**8:35**
